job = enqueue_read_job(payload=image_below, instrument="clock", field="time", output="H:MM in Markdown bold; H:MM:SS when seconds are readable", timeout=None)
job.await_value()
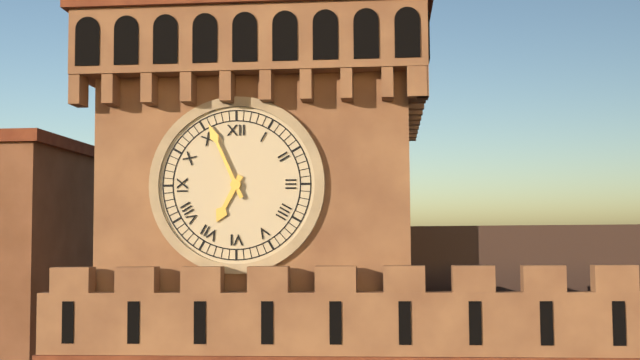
**6:56**
